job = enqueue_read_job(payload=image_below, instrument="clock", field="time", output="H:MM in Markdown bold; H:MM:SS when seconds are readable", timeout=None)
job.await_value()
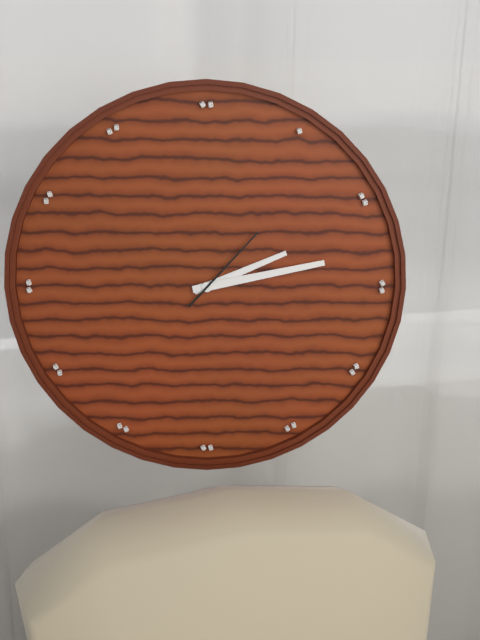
**2:13:07**
